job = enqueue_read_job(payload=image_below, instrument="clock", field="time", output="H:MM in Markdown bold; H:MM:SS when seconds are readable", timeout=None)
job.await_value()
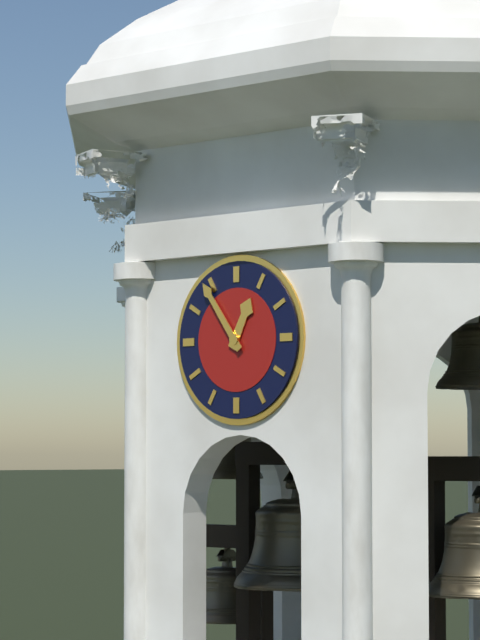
**12:54**
